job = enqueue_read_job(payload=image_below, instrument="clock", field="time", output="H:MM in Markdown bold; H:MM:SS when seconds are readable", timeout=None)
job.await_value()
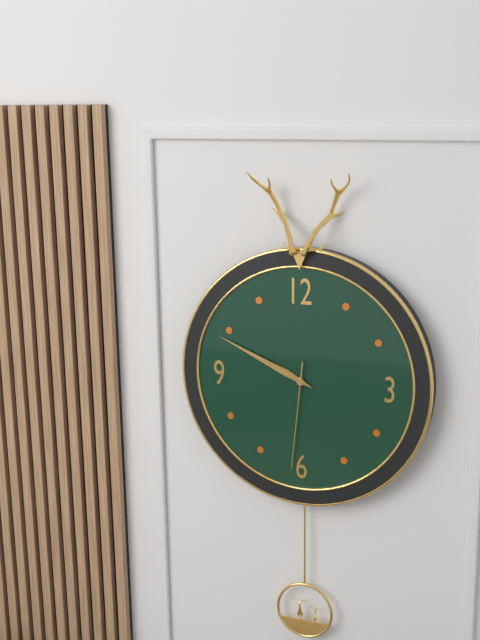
**9:49:31**
